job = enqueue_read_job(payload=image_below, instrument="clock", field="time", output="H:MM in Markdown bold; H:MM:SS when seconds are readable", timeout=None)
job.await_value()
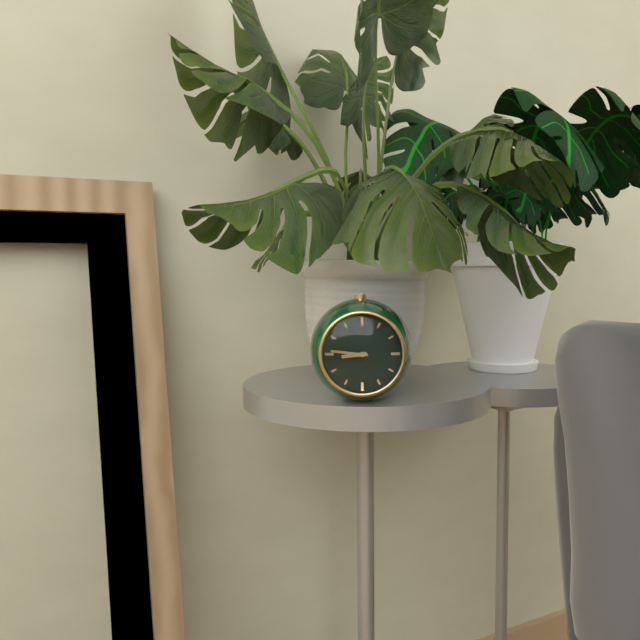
**8:46**
